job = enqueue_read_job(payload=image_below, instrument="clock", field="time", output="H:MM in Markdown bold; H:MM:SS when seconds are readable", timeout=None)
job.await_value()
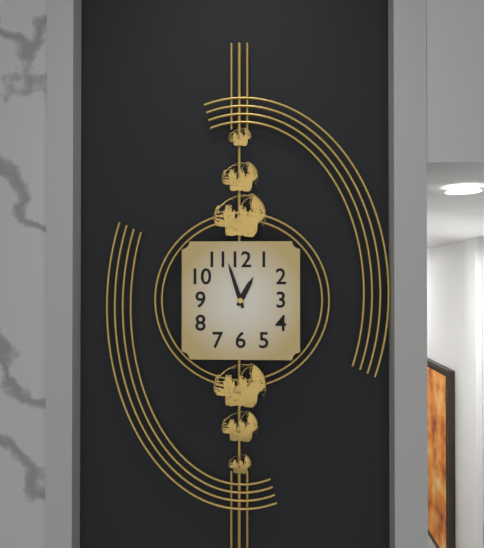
**12:57**
